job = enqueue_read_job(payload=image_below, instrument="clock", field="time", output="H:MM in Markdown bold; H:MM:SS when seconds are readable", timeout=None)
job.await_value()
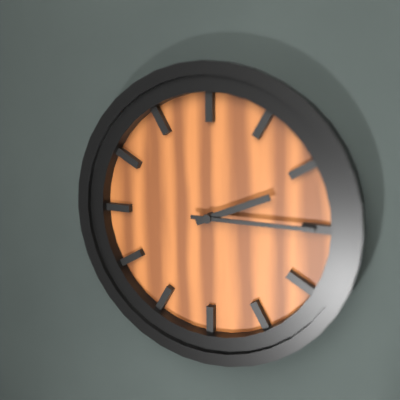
**2:15**
